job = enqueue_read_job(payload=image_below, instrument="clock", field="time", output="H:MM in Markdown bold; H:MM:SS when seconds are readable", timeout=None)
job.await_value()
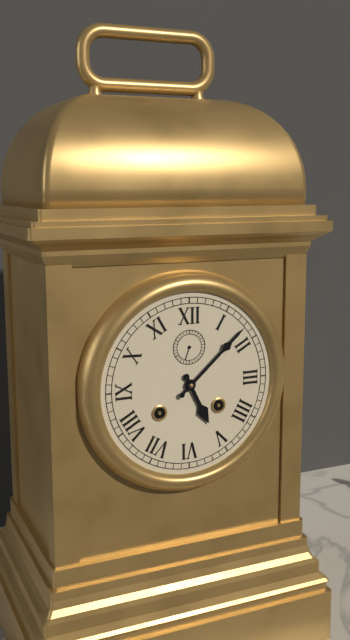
**5:08**
